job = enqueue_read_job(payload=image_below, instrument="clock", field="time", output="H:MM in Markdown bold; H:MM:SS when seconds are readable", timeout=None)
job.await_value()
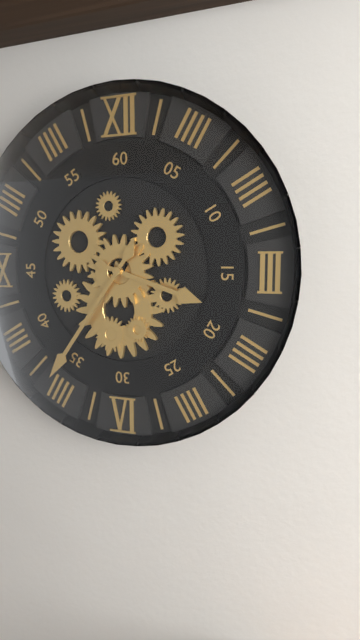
**3:36**
